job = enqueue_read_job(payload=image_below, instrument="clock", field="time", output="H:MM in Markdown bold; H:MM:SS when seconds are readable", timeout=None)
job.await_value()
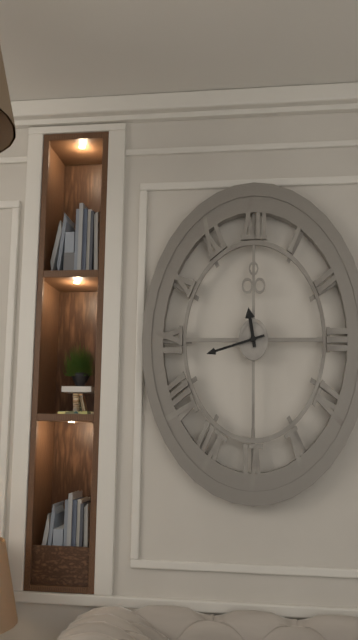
**11:42**
